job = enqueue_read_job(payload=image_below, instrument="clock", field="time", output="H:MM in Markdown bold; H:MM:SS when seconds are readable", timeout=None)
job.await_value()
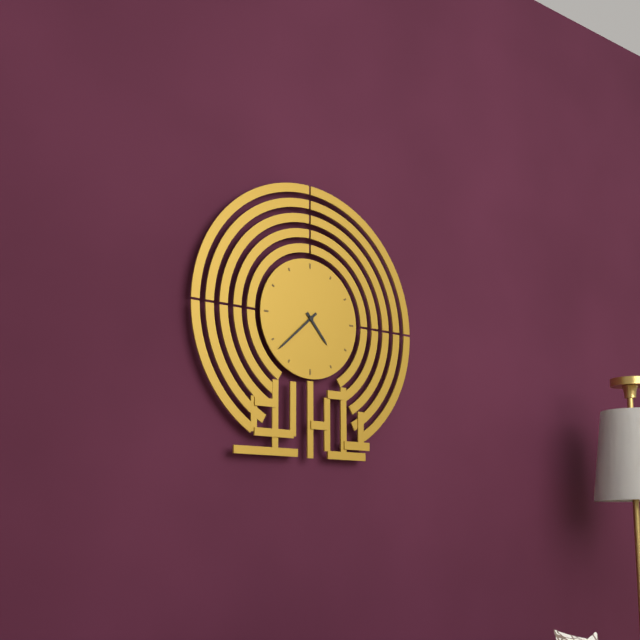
**4:38**
